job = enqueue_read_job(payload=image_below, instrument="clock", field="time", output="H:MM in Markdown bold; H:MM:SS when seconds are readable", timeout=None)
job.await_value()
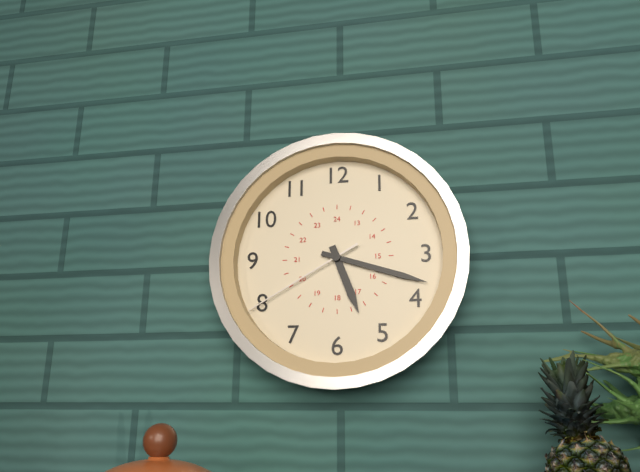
**5:18:40**
